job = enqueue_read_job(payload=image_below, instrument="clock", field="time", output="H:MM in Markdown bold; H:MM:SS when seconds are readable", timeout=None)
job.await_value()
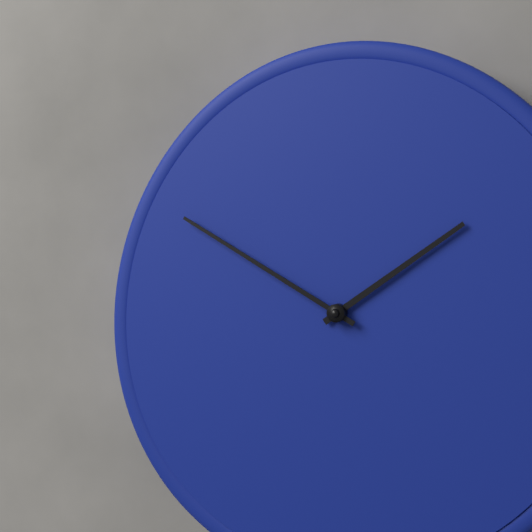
**1:50**
